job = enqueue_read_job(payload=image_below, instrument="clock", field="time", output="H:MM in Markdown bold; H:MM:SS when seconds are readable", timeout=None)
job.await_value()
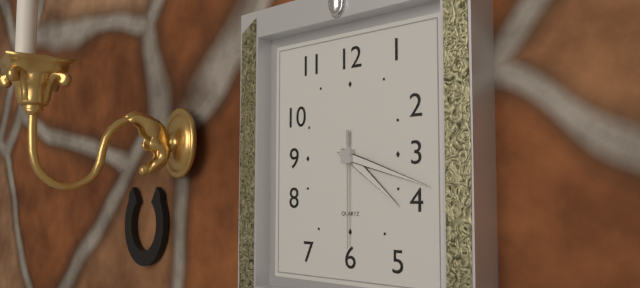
**4:18:30**
